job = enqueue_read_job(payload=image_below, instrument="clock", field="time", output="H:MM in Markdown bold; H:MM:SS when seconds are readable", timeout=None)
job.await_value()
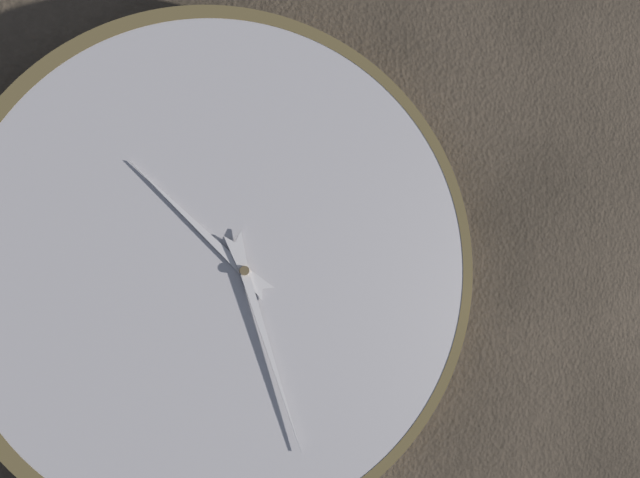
**10:27**
